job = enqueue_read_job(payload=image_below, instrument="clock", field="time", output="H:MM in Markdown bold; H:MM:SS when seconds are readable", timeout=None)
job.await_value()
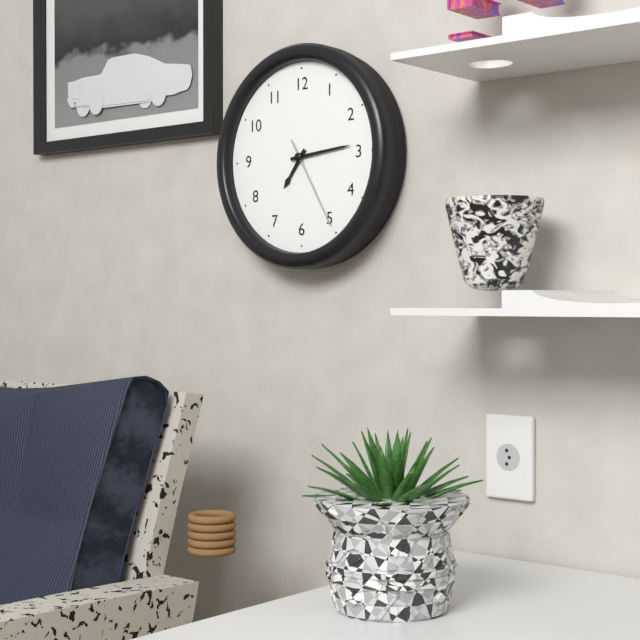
**7:14:25**
